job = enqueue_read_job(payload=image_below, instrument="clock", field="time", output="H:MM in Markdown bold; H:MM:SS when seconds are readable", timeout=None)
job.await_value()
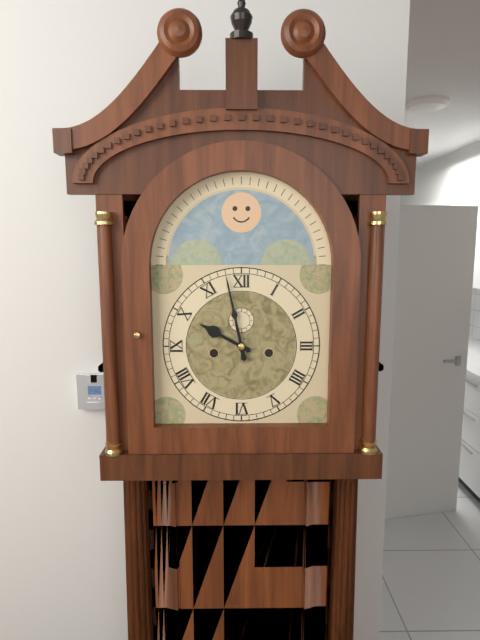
**9:58**
